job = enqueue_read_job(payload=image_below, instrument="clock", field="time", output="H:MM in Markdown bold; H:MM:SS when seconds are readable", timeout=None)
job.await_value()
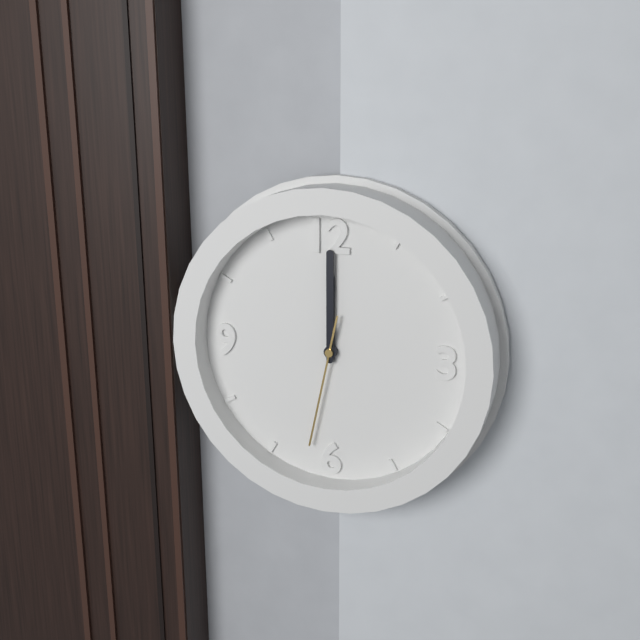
**12:00:32**
